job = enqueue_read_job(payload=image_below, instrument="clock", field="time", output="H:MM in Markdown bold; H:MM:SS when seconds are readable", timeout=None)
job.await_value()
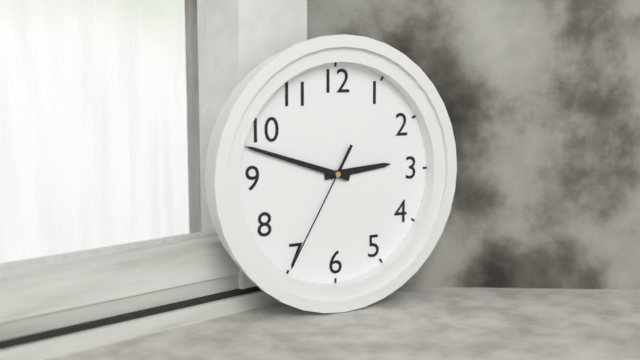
**2:48:35**
